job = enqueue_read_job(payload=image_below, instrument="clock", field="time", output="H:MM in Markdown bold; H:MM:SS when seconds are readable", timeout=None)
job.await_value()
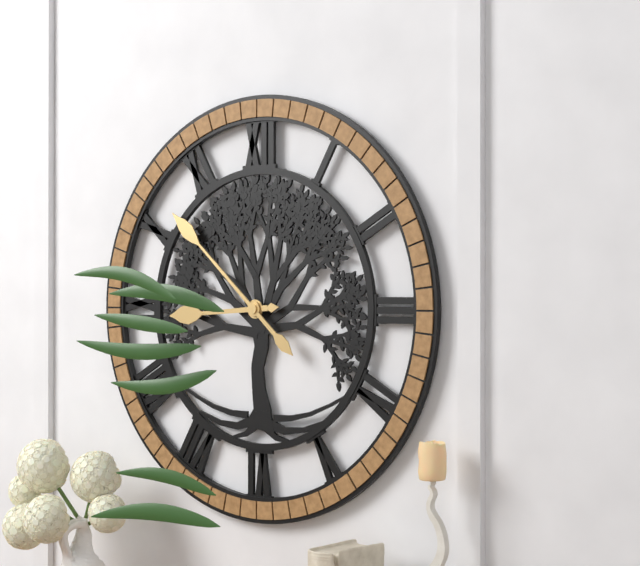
**8:52**
